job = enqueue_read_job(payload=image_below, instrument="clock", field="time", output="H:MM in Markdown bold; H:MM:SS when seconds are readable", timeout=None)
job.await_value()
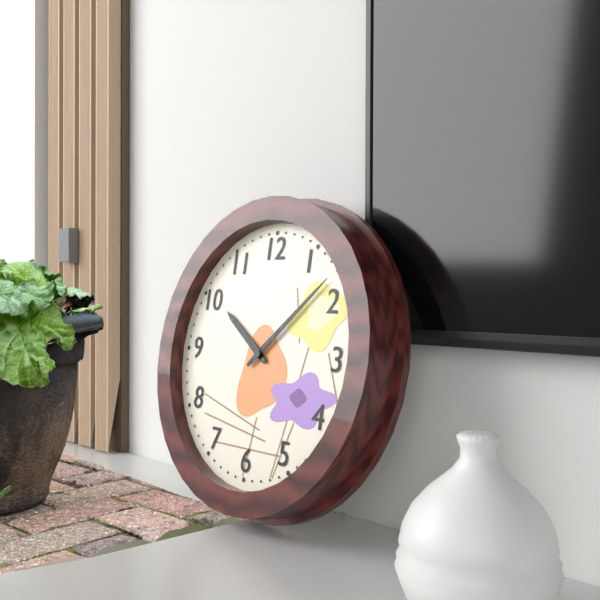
**10:08**
